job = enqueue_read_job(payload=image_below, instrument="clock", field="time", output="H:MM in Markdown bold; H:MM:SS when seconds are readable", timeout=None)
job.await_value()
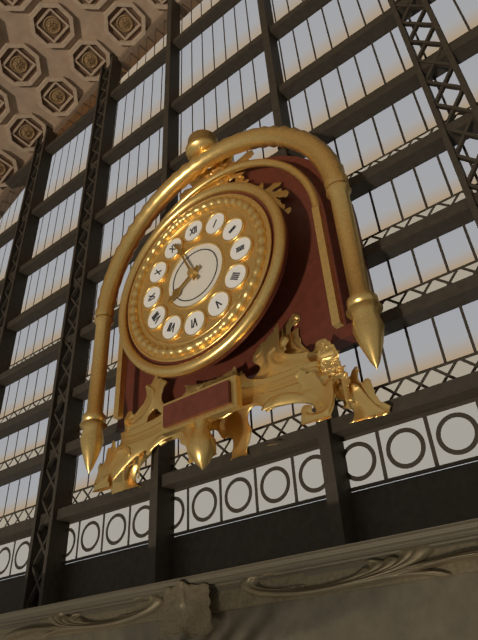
**7:56**
